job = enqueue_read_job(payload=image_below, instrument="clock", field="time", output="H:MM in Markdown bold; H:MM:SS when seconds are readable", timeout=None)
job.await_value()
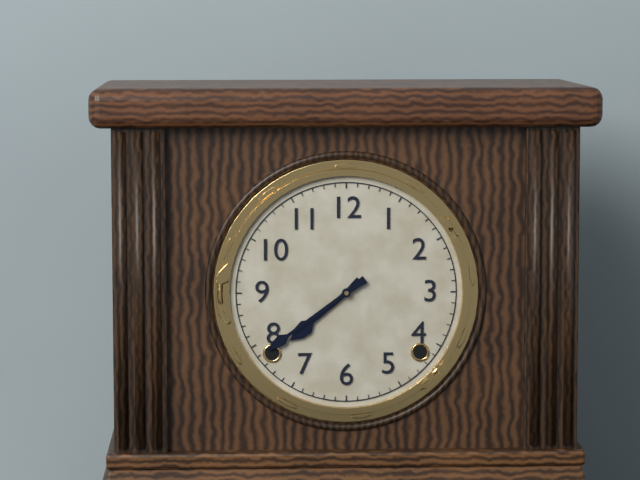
**7:39**
